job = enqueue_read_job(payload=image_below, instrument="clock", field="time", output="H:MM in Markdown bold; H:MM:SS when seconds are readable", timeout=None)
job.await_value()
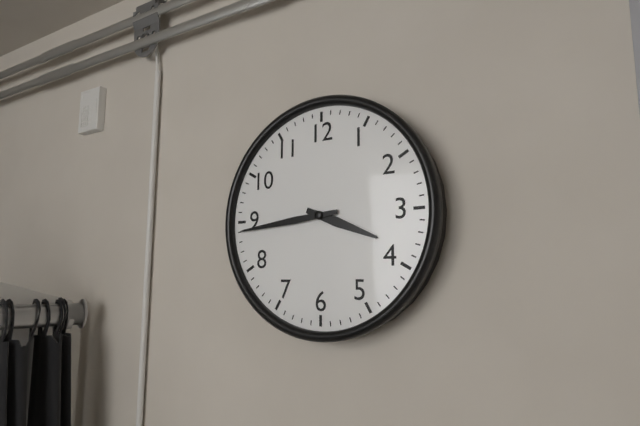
**3:44**
